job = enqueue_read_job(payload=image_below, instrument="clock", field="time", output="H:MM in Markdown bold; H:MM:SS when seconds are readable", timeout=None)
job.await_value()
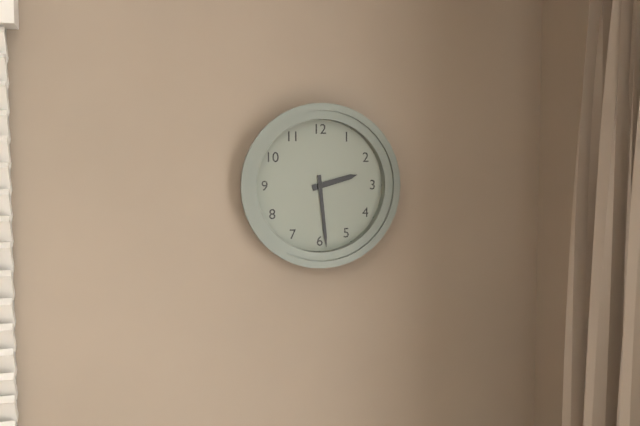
**2:29**
